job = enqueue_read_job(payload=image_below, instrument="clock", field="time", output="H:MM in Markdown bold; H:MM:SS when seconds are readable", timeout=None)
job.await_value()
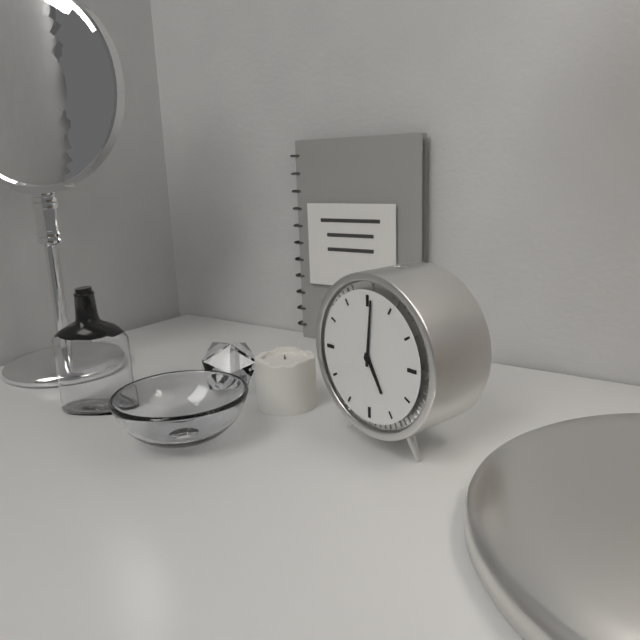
**5:01**
